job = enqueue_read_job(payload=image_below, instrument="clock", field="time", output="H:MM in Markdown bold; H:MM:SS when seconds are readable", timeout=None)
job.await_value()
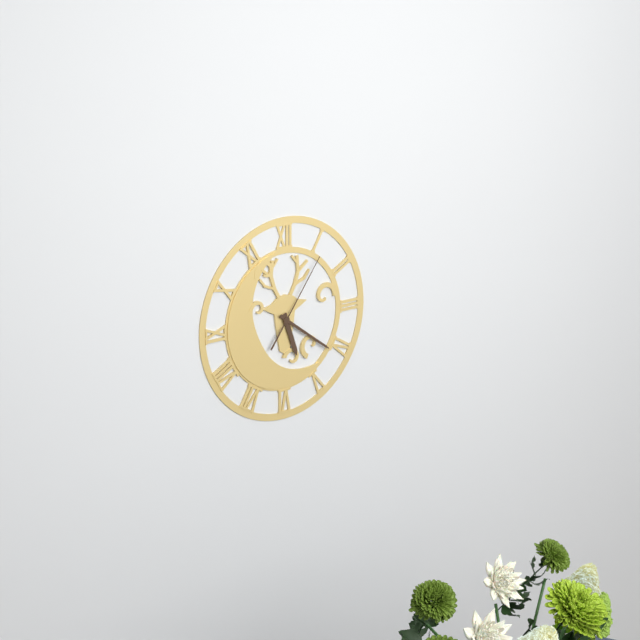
**5:21:06**
